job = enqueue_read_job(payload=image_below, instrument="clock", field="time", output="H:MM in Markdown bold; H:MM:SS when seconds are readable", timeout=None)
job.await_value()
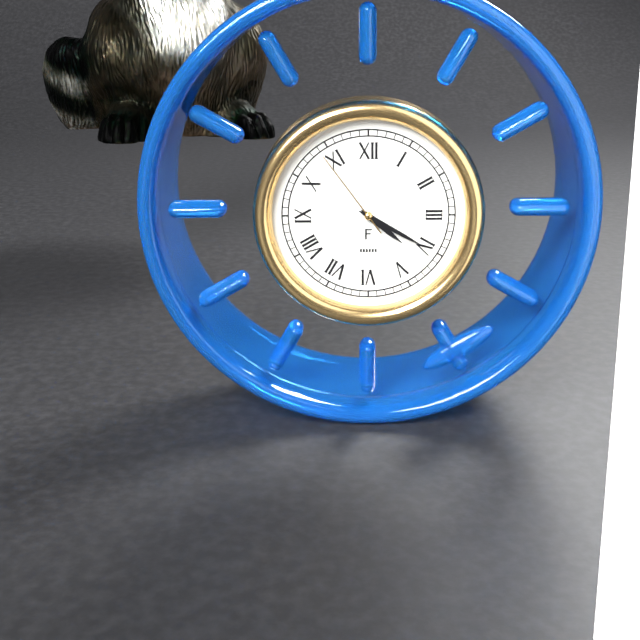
**4:20:54**
